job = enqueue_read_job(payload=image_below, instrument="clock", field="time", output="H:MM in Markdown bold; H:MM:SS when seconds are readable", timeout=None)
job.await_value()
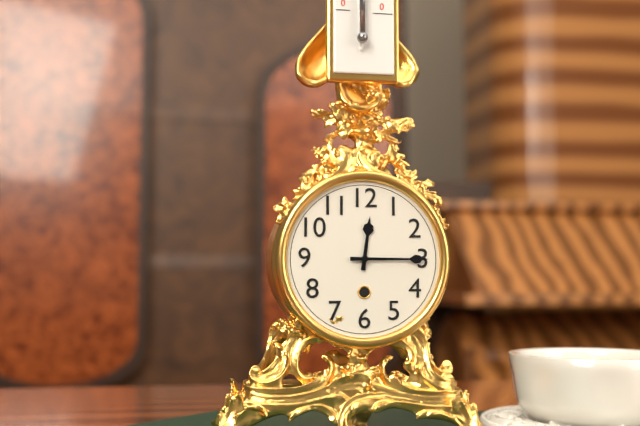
**12:15**
